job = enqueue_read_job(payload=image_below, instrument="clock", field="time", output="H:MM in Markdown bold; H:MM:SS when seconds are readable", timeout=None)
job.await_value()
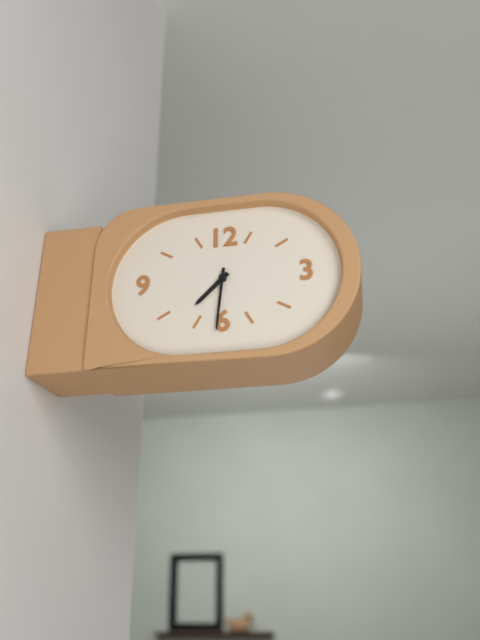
**7:31**
